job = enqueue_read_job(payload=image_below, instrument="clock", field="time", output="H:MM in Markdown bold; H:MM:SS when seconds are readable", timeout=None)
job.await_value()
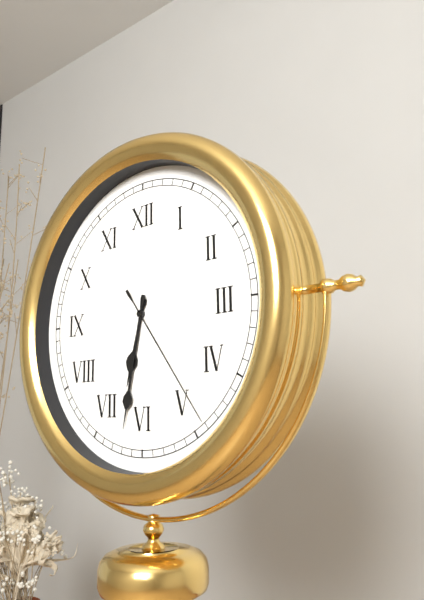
**6:32:24**
